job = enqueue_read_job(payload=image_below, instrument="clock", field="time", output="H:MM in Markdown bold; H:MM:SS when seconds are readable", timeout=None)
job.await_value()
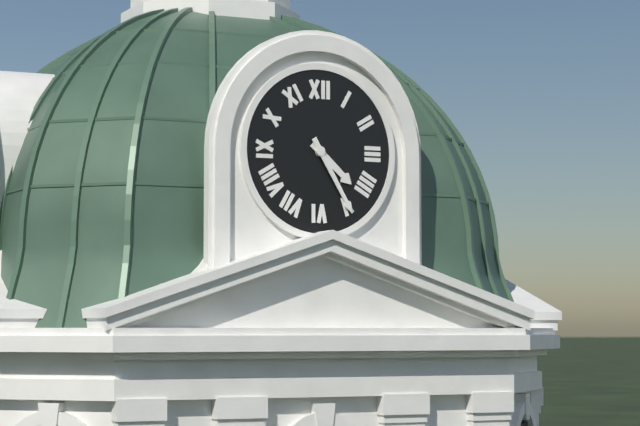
**4:25**
